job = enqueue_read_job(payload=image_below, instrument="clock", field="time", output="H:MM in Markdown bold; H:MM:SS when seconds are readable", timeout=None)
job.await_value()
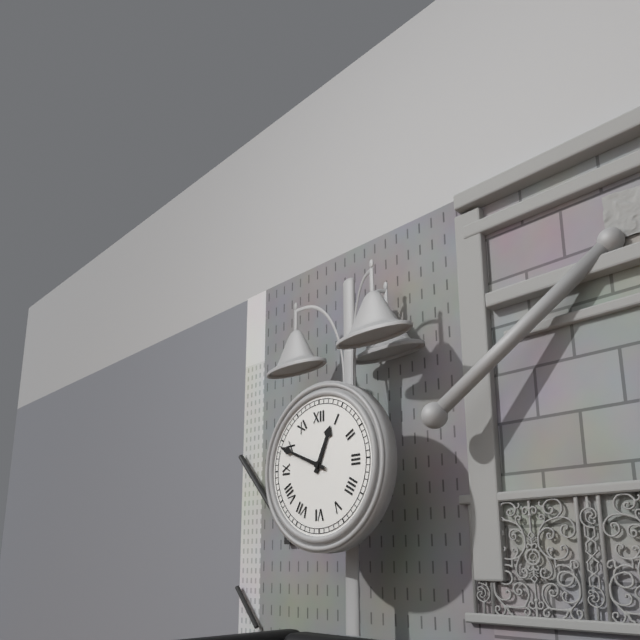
**12:49**
